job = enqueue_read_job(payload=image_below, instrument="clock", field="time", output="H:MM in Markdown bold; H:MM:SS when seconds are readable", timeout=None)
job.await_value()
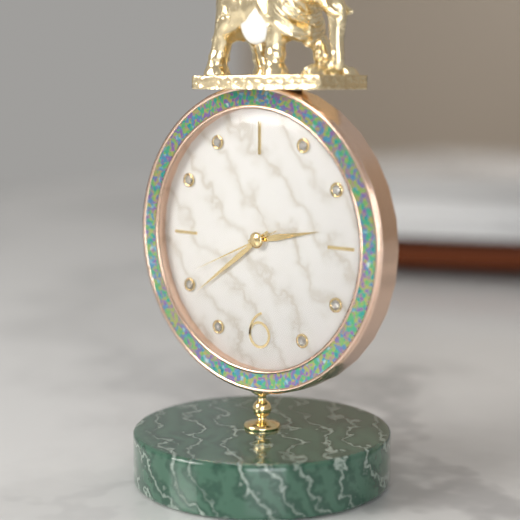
**2:39:41**
